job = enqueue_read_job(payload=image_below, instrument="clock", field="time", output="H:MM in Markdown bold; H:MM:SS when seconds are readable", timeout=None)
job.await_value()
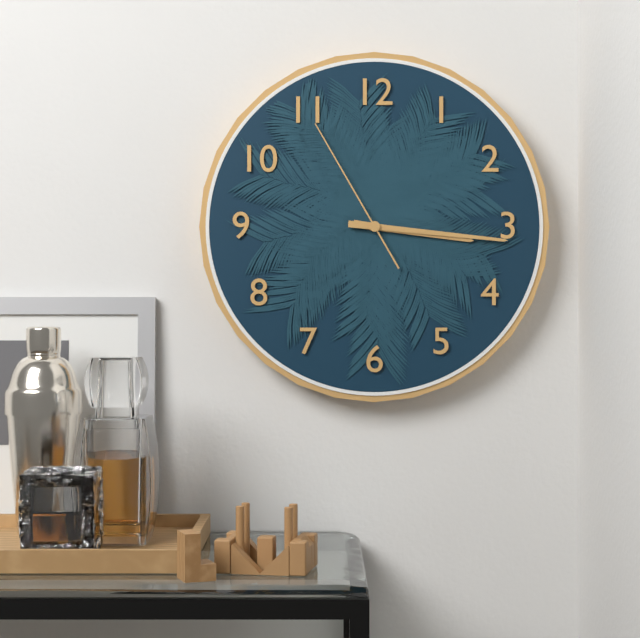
**3:16:55**
